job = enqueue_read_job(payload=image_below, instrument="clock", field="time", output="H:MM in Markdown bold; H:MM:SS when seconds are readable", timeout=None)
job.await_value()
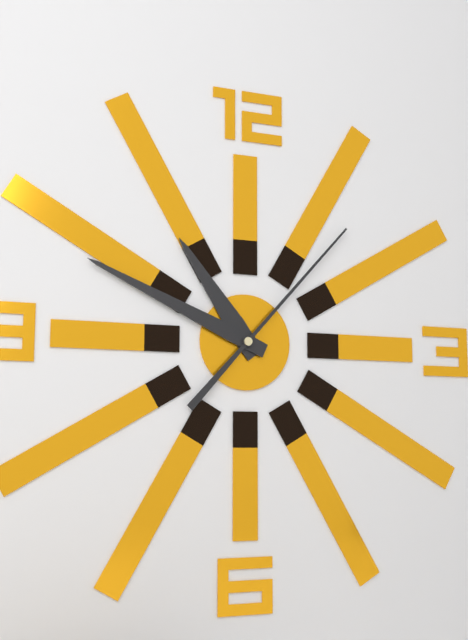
**10:49:07**
